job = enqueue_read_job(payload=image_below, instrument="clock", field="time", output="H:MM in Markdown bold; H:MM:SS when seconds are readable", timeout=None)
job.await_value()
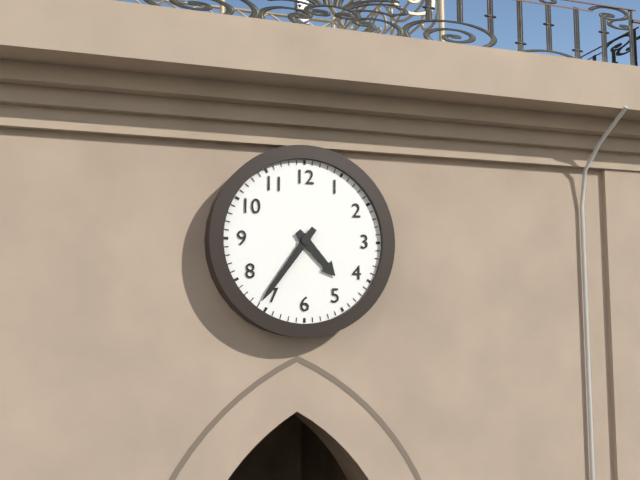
**4:36**
